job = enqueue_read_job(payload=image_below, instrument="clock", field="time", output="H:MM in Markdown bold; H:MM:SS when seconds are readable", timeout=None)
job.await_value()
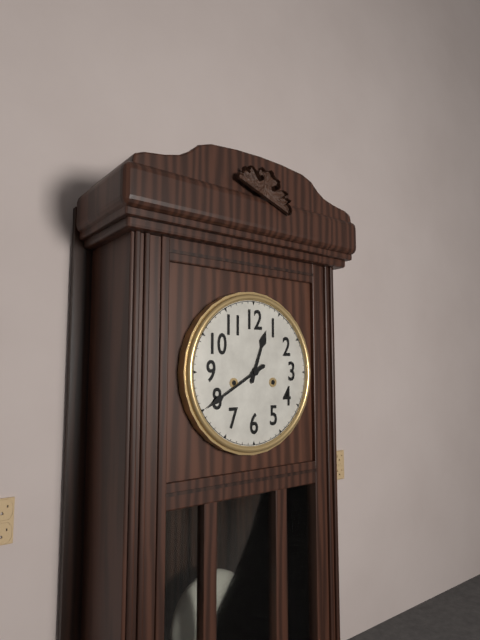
**12:40**
